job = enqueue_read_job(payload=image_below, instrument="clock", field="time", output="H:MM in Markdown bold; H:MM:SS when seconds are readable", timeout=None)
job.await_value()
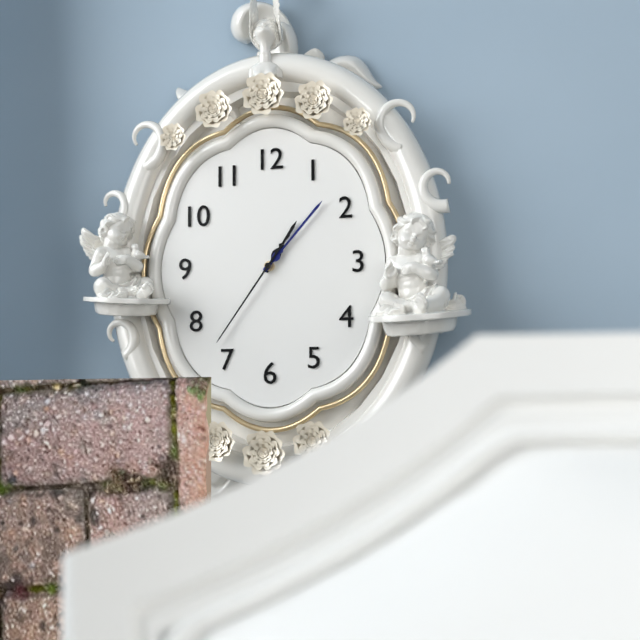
**1:07:36**
